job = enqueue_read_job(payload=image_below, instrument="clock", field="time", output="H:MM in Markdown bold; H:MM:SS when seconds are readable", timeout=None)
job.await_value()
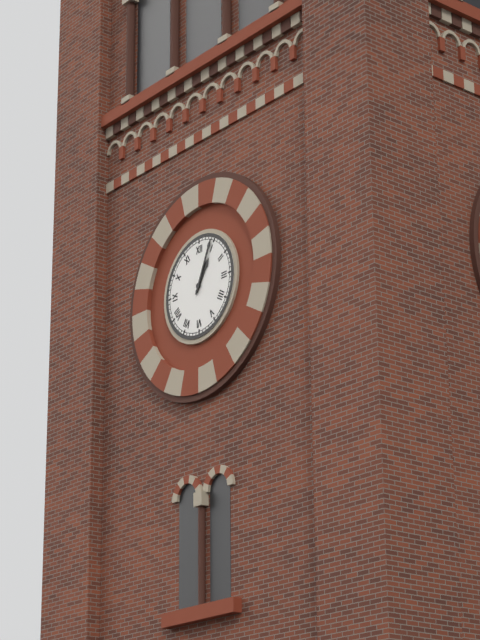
**1:04**
